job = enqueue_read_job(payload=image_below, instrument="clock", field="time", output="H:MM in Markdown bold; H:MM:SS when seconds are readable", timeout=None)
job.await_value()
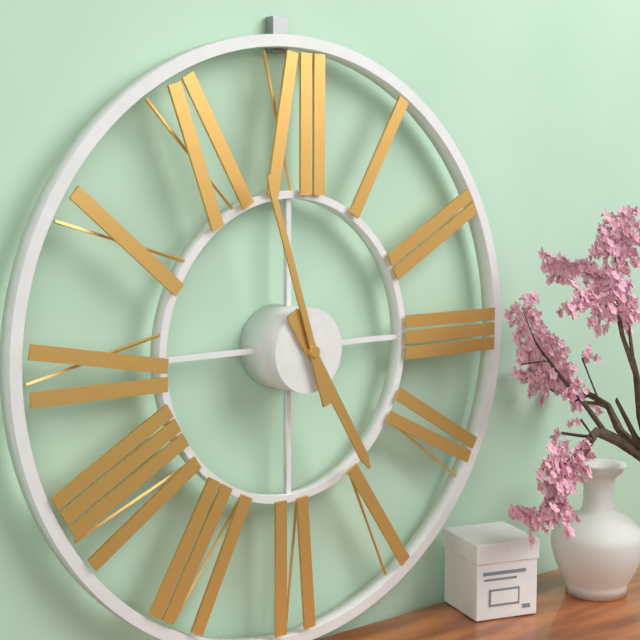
**4:57**
